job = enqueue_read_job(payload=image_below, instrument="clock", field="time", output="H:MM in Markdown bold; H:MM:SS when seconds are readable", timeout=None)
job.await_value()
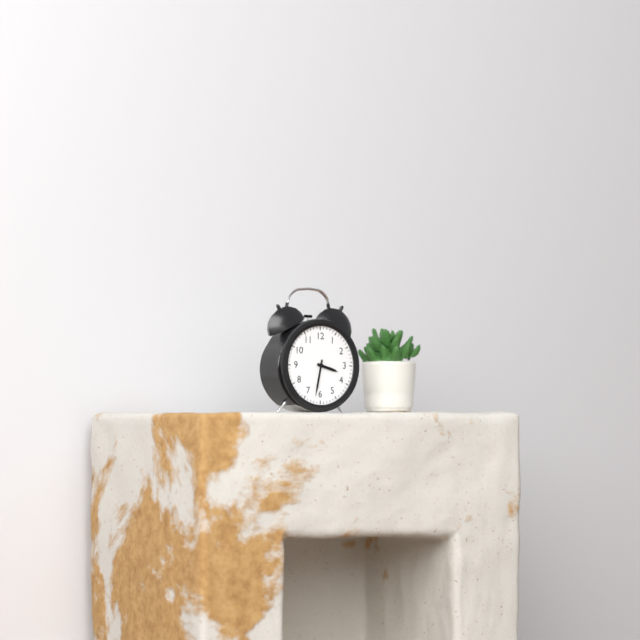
**3:32**
